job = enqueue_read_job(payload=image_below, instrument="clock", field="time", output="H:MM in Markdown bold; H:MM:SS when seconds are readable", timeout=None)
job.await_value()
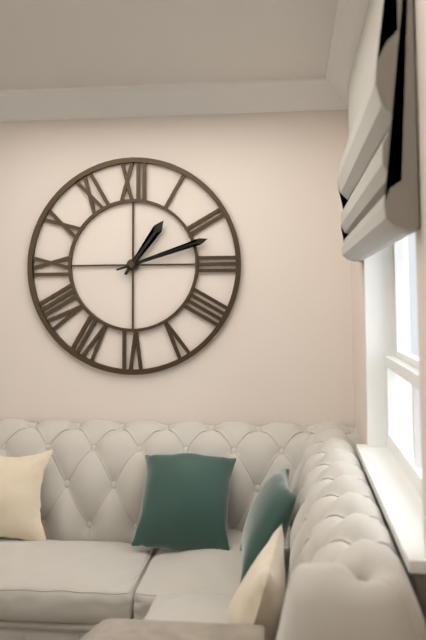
**1:12**
